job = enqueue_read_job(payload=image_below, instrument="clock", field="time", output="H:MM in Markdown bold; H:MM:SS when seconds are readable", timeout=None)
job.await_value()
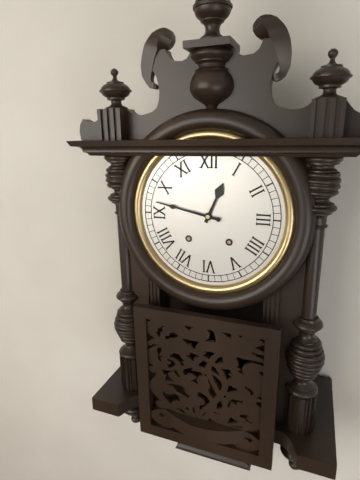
**12:47**
